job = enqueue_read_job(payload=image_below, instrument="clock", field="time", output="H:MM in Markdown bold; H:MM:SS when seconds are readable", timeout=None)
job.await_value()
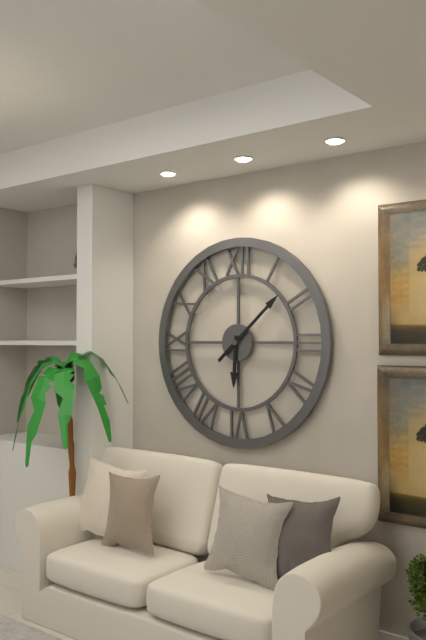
**6:08**
